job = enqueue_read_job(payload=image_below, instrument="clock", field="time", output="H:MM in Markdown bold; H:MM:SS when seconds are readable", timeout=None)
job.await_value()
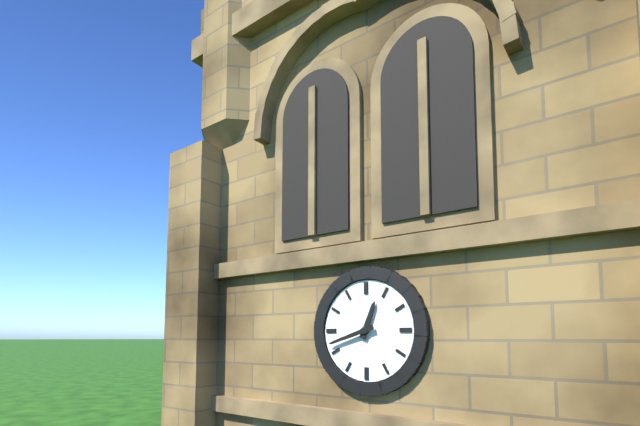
**12:42**
